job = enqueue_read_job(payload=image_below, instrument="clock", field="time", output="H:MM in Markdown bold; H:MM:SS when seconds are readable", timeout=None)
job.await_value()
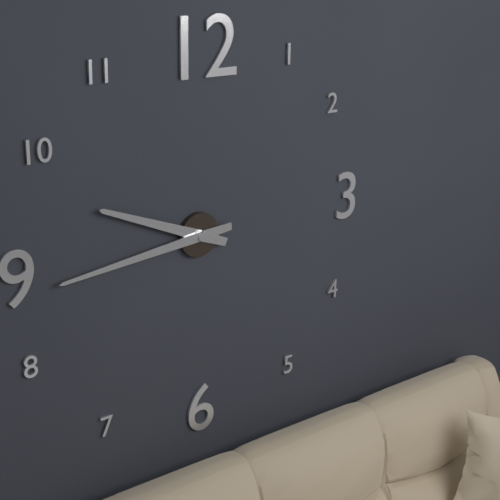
**9:44**
